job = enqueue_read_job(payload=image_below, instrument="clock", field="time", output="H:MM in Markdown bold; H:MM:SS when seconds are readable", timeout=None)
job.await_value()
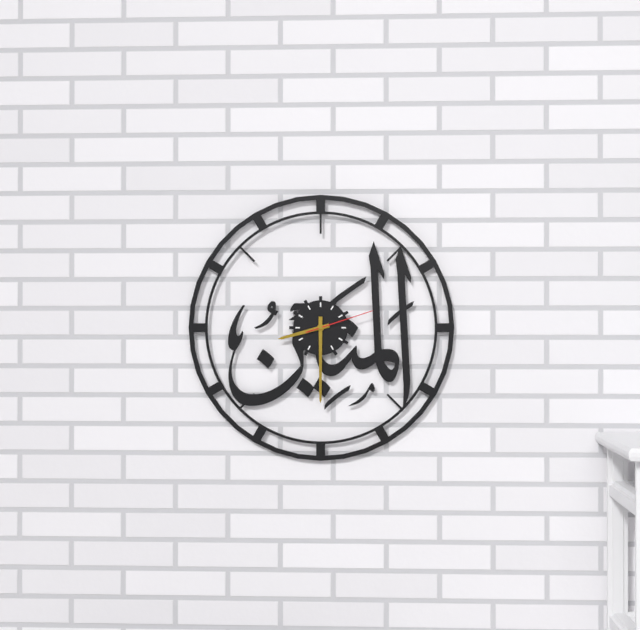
**8:30:12**
